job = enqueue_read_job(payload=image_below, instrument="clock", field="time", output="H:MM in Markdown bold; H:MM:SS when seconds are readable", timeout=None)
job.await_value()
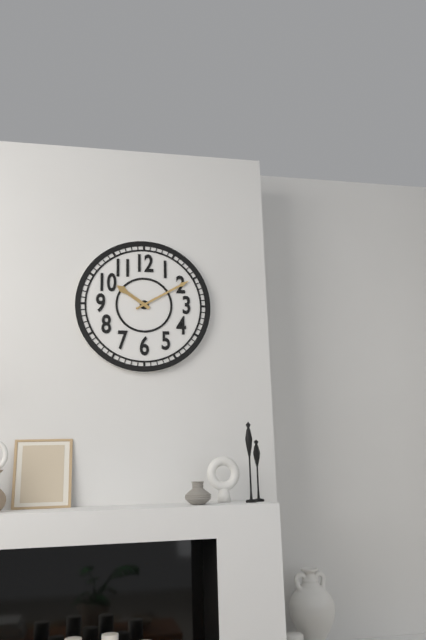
**10:10**
